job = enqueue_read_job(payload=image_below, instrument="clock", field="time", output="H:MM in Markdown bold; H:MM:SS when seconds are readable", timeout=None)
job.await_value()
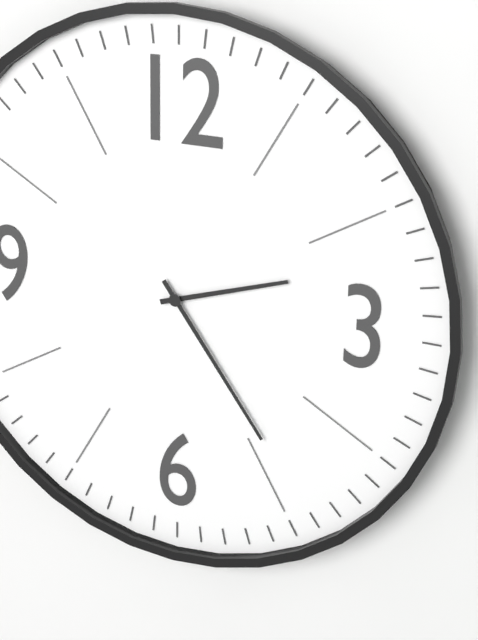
**2:24**
